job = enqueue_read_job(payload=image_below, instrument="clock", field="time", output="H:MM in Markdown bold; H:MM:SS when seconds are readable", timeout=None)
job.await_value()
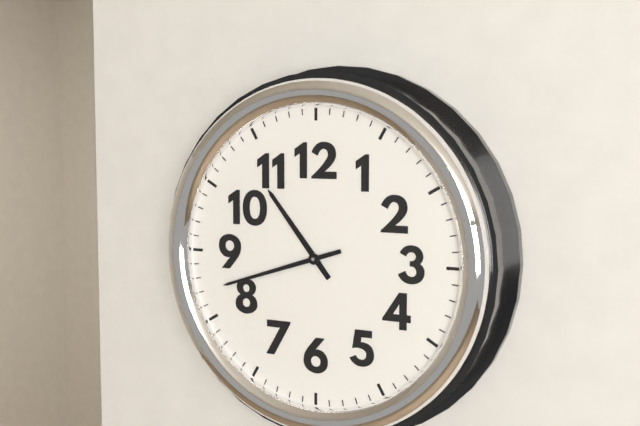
**10:42**
